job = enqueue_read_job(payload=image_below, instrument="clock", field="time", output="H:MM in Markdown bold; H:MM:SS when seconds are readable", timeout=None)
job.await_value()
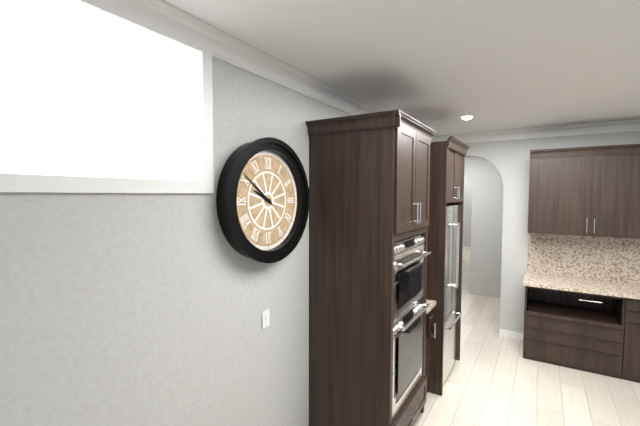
**9:51**
